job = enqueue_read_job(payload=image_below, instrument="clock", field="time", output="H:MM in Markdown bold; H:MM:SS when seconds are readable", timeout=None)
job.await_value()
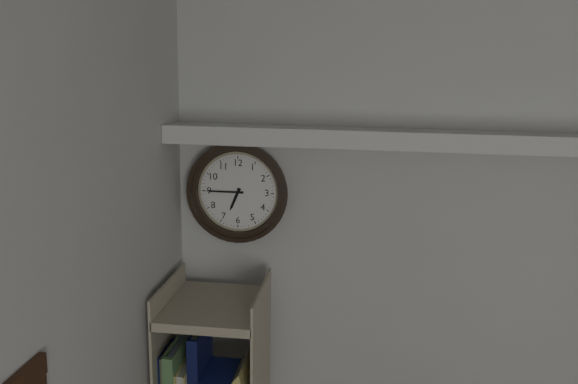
**6:45**
